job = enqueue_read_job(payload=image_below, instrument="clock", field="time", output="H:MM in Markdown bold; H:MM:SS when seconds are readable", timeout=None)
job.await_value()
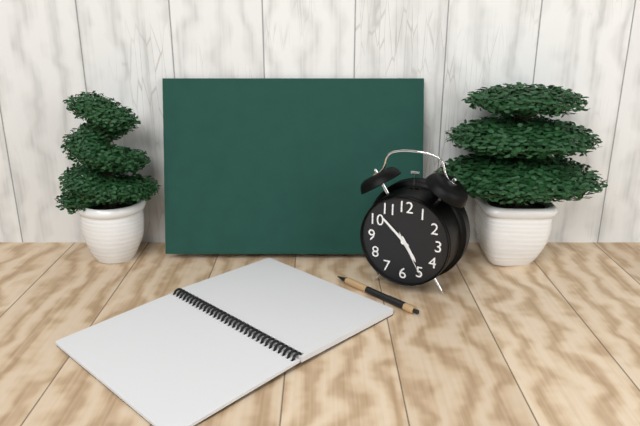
**4:52**
